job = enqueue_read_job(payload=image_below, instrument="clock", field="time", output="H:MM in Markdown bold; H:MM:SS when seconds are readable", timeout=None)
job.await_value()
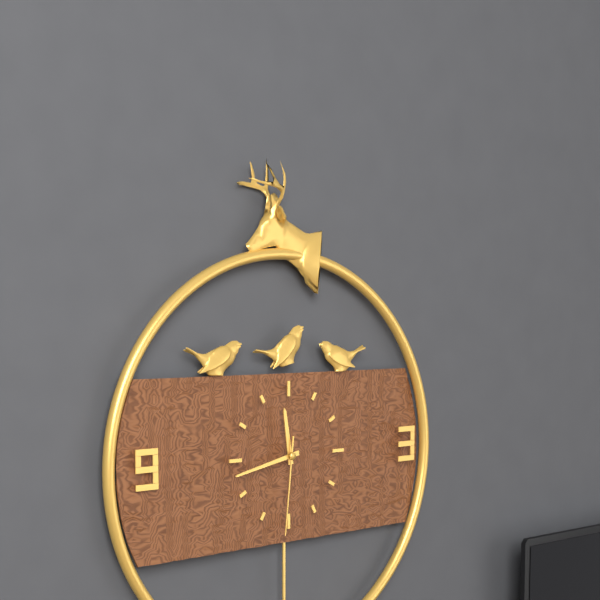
**11:43:31**
